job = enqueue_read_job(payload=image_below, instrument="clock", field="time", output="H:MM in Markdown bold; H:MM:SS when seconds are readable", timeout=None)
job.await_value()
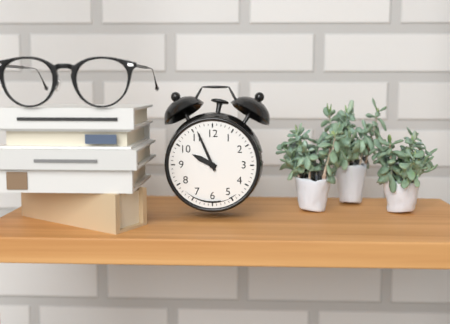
**9:56**
